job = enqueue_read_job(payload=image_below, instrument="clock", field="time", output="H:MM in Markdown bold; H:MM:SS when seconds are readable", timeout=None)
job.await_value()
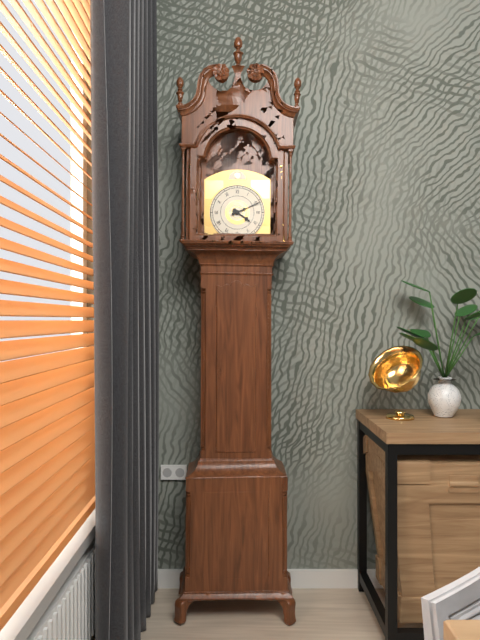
**4:11**
